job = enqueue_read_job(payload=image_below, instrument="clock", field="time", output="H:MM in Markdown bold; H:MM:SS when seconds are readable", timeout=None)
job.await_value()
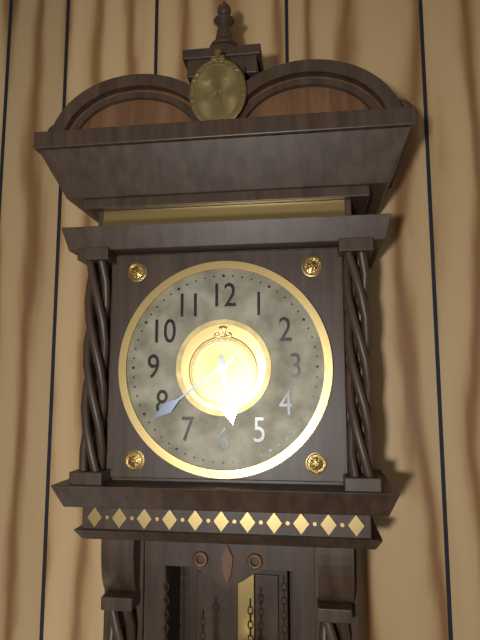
**5:39**
